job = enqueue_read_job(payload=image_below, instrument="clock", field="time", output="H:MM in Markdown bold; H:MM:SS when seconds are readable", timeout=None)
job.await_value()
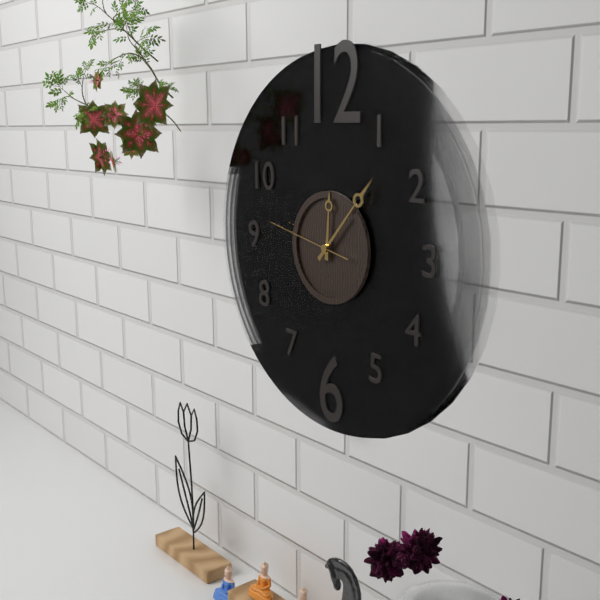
**12:07:47**
